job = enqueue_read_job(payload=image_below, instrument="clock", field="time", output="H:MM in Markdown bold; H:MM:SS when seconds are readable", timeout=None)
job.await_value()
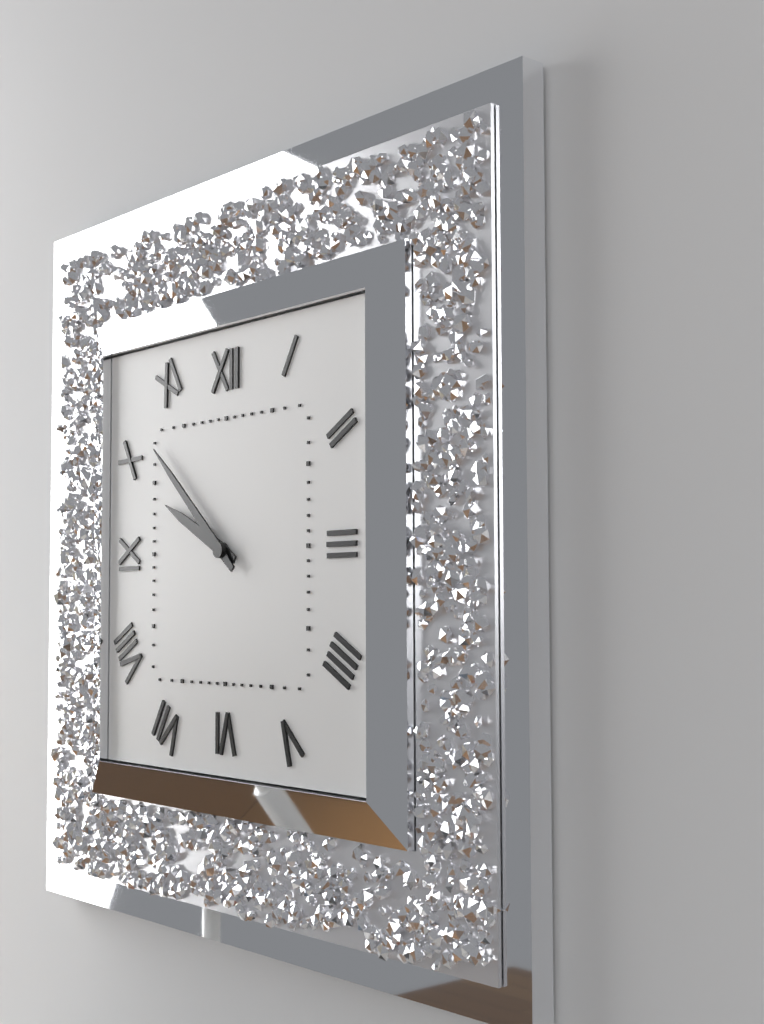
**9:52**
